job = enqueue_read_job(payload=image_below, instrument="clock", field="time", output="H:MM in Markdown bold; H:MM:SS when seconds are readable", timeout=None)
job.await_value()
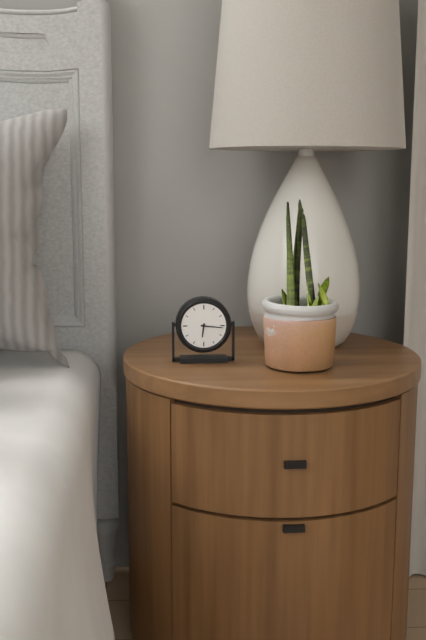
**6:16**
